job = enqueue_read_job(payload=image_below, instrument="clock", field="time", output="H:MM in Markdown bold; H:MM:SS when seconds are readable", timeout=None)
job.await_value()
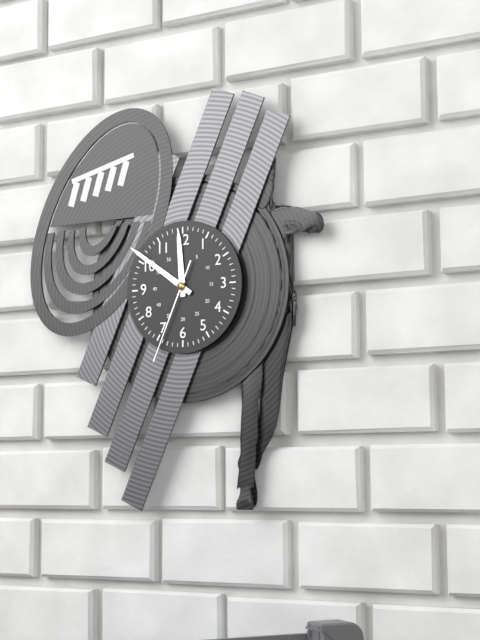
**11:51:34**
